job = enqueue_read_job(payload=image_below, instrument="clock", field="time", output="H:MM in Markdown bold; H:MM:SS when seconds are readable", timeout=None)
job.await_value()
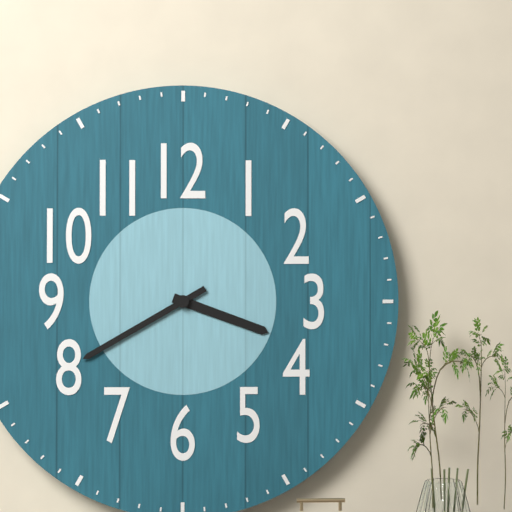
**3:40**
